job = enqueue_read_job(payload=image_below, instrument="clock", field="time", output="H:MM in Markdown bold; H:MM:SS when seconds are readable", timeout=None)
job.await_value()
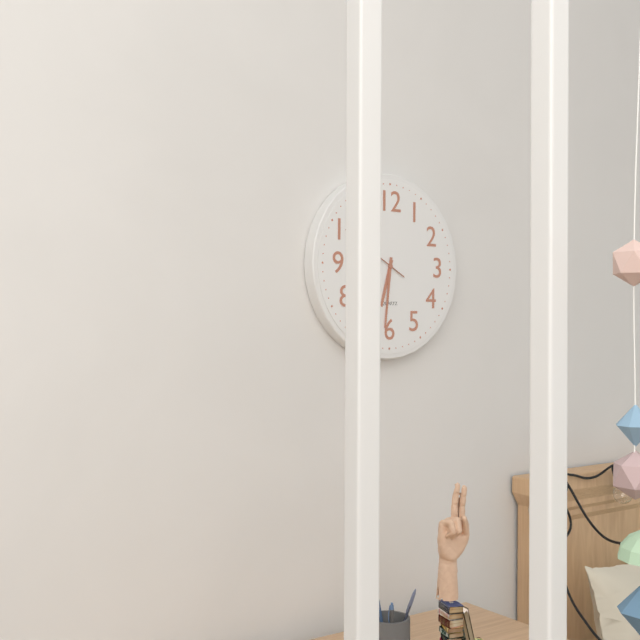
**6:31**
